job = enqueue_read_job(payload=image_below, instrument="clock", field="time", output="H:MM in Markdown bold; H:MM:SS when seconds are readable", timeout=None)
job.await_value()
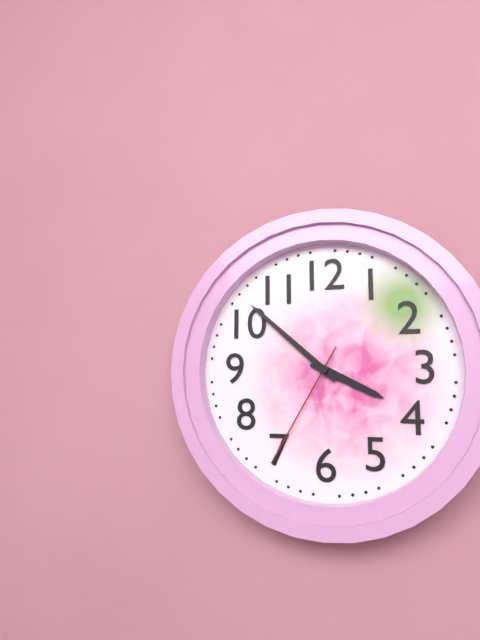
**3:52:35**
